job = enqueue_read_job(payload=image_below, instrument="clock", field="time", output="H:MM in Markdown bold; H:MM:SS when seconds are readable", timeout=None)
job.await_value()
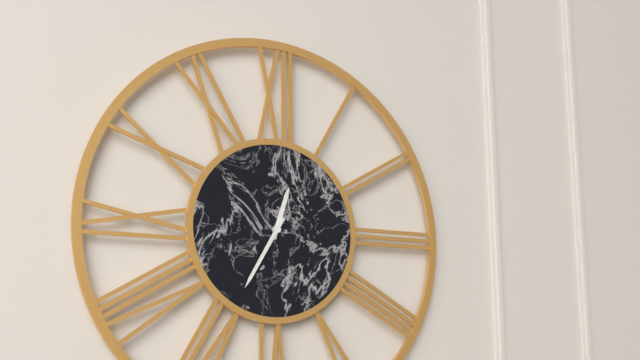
**12:35**
